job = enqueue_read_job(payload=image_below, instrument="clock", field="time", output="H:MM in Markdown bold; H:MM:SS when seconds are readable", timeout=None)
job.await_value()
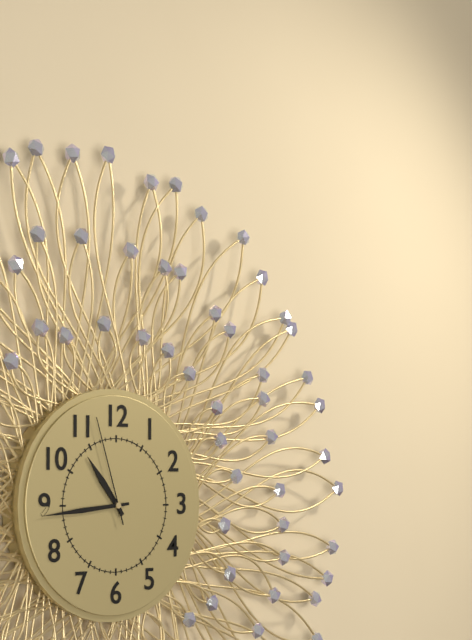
**10:44:57**
